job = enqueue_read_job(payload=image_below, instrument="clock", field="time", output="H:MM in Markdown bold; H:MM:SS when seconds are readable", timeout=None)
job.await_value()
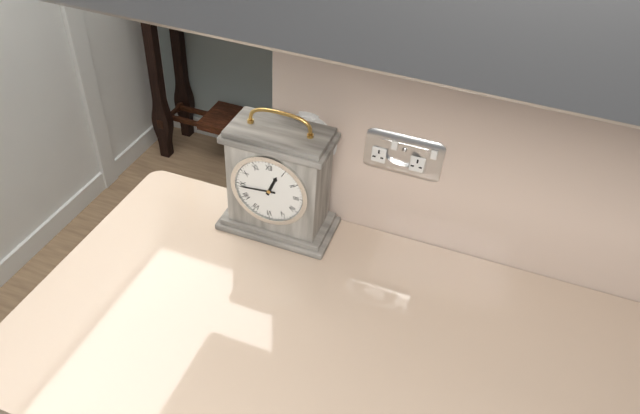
**12:44**
